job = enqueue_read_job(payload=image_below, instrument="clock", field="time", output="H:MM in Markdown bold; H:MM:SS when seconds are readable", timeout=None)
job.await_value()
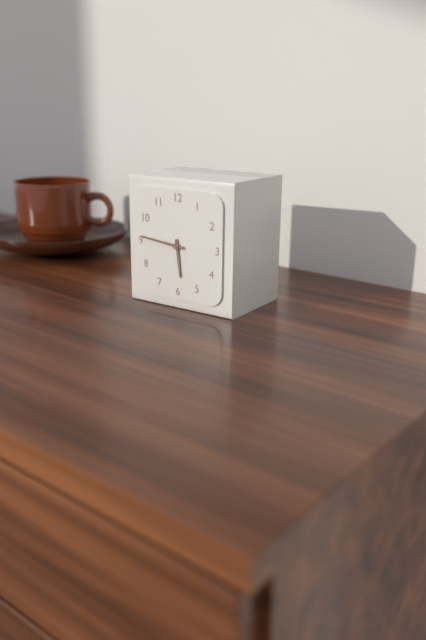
**5:46**
